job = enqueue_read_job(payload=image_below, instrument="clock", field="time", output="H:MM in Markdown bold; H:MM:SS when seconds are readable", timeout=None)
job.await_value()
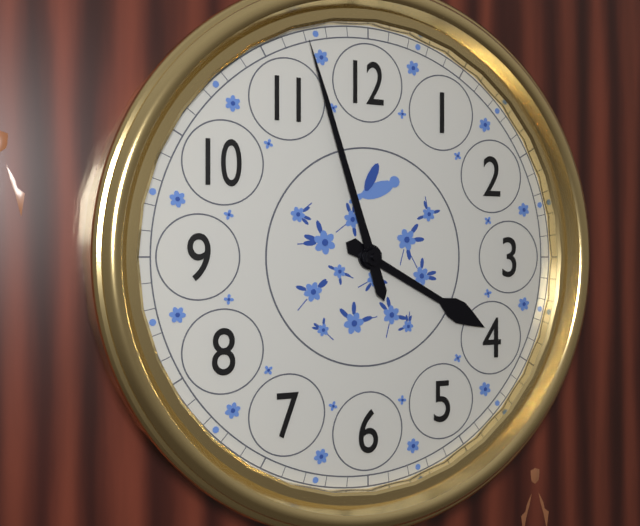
**3:57**
